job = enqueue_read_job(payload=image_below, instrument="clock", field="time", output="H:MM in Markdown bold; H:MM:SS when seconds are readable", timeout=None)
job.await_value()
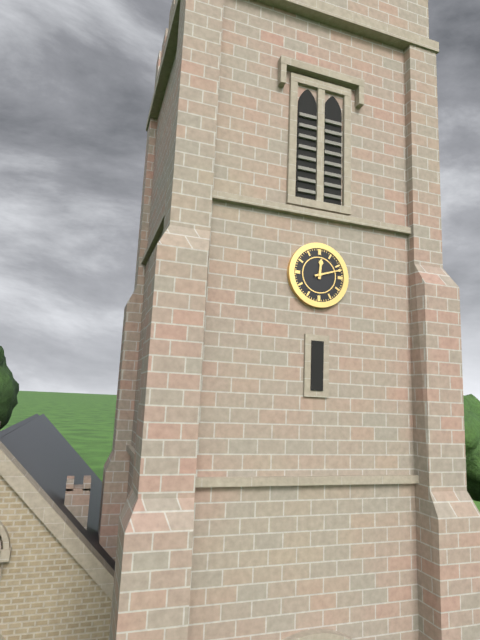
**12:12**
